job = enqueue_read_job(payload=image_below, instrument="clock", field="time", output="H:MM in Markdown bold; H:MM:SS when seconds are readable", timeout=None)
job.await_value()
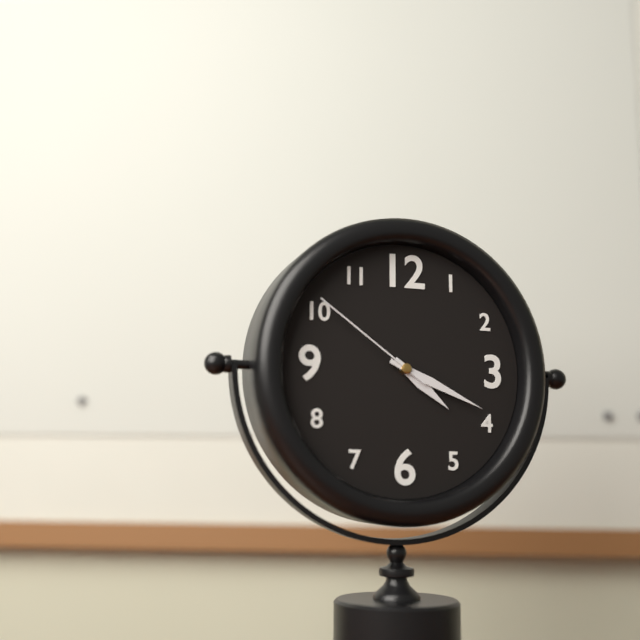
**4:19:51**
